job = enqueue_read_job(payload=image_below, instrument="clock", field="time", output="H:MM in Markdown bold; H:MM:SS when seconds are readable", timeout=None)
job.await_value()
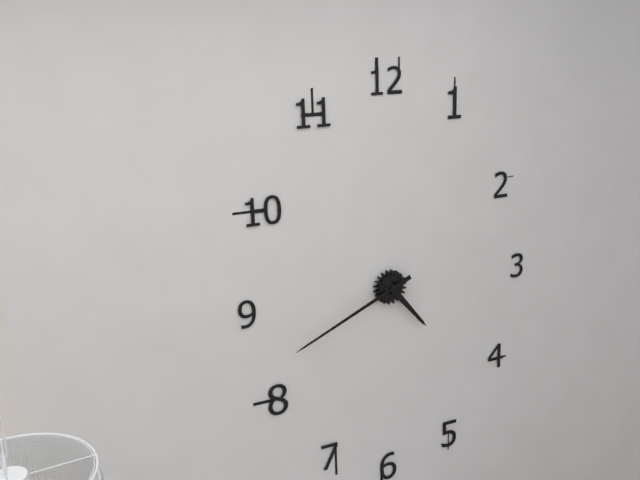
**4:41**
